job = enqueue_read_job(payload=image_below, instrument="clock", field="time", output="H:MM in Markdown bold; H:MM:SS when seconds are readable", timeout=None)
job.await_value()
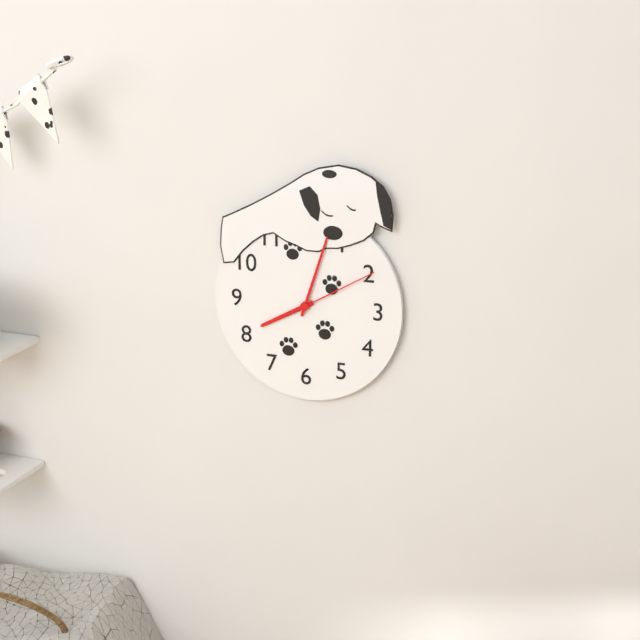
**8:03:10**
